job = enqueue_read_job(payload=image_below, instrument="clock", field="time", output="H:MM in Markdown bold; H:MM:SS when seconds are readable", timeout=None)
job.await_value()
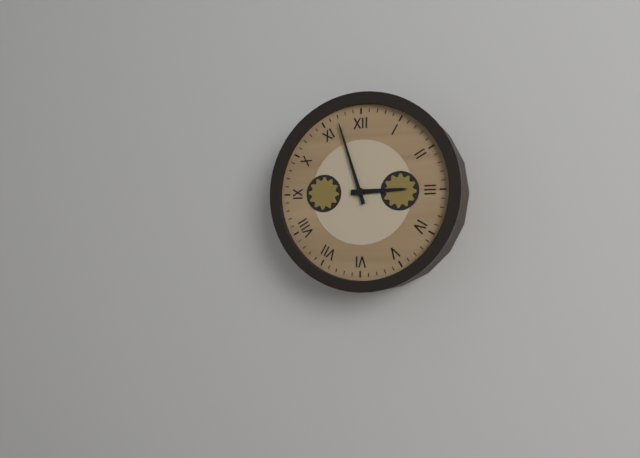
**2:57**
